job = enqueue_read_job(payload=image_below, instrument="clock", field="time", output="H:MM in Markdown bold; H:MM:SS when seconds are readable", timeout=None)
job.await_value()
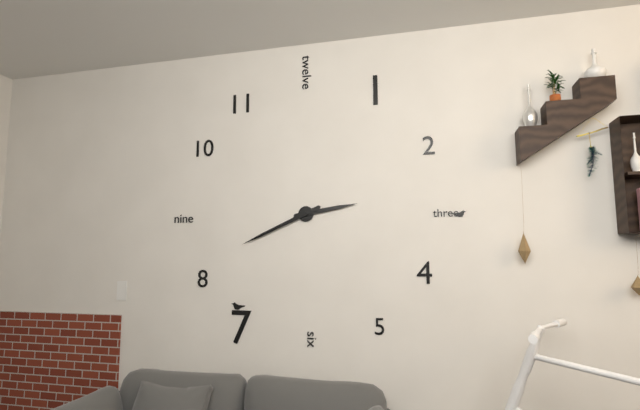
**2:41**
